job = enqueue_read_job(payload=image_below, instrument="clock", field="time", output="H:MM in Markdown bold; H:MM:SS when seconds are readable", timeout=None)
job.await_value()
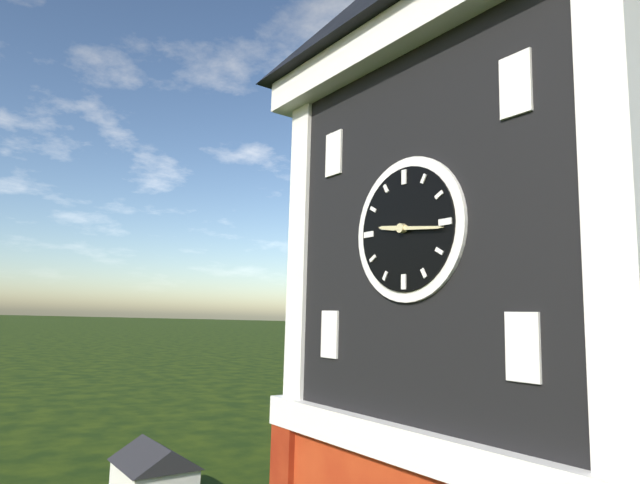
**9:16**
